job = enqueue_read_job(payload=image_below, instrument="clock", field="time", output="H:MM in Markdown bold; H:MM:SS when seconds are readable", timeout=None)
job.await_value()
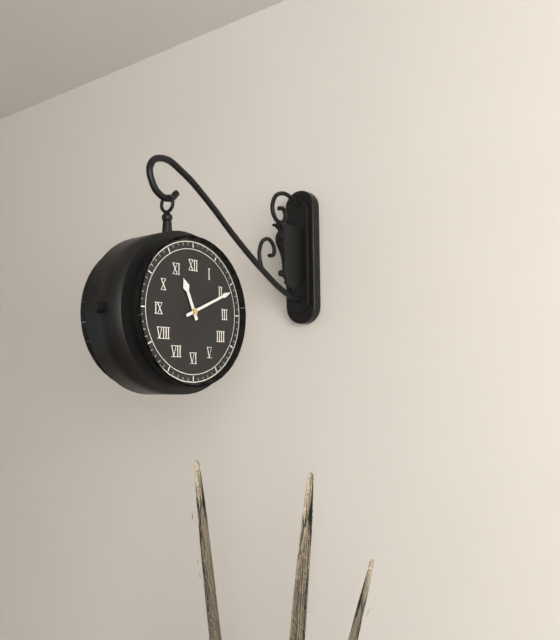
**11:11**
